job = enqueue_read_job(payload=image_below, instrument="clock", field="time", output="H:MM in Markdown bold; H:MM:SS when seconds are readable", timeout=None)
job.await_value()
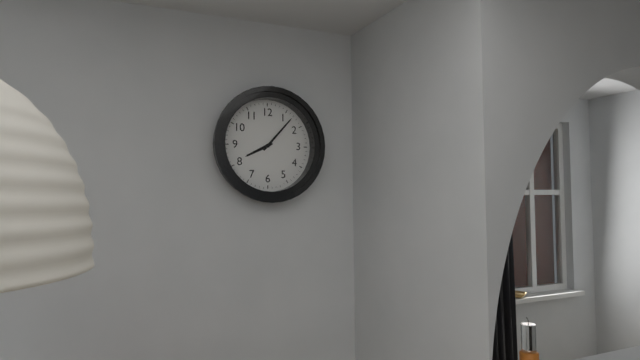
**8:07**
